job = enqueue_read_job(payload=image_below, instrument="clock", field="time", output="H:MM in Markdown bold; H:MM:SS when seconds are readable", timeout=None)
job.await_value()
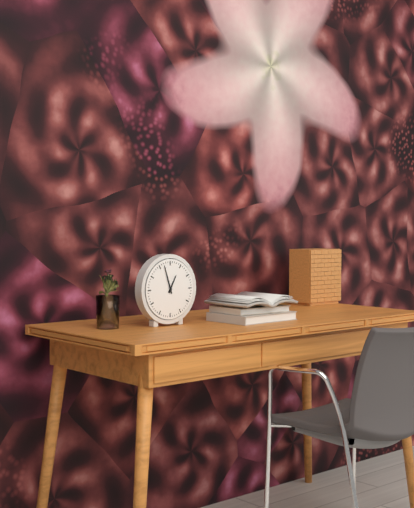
**12:57**
